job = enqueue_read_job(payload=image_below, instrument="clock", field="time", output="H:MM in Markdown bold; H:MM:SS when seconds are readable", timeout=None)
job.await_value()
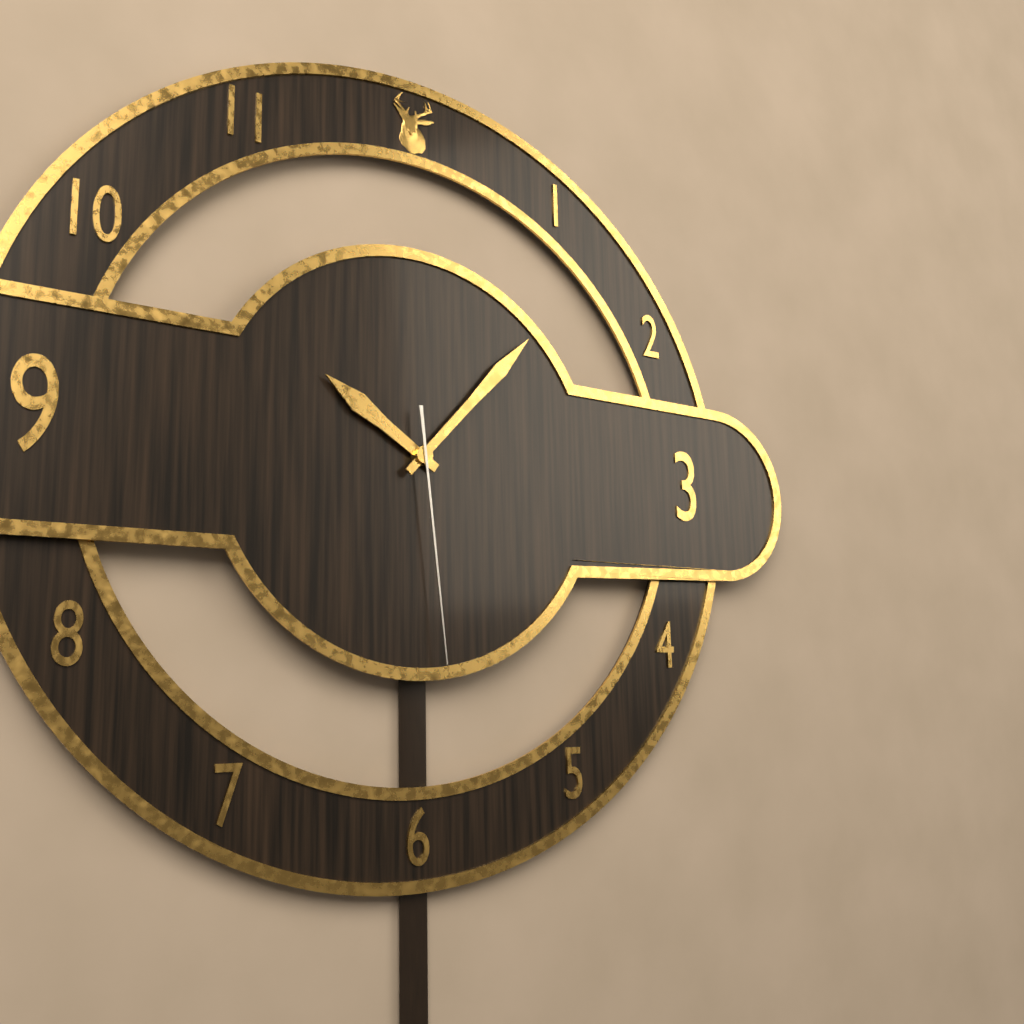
**10:07:29**
